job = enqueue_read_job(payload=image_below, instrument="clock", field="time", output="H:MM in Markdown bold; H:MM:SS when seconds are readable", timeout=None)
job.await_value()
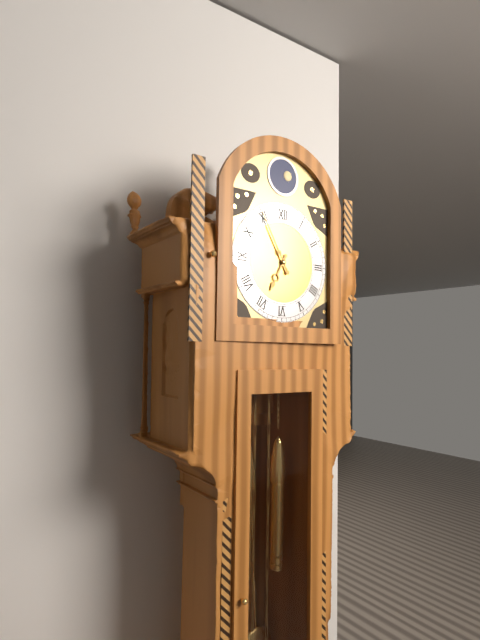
**6:55**
